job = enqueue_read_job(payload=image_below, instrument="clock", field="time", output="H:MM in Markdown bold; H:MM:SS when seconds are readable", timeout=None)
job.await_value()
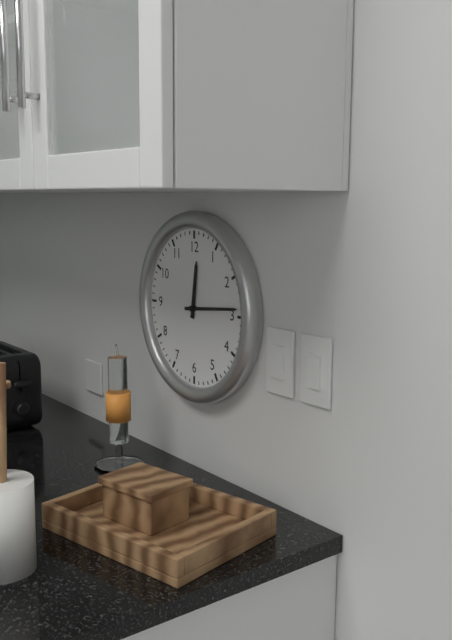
**12:14**
